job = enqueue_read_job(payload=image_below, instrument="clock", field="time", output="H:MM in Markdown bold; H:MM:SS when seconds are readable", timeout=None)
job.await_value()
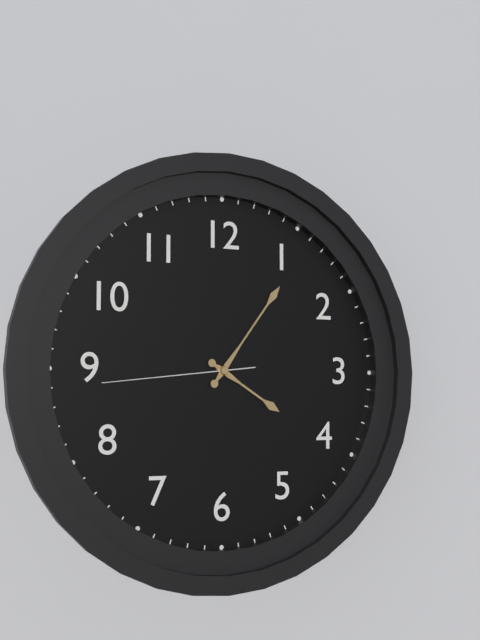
**4:06:44**
